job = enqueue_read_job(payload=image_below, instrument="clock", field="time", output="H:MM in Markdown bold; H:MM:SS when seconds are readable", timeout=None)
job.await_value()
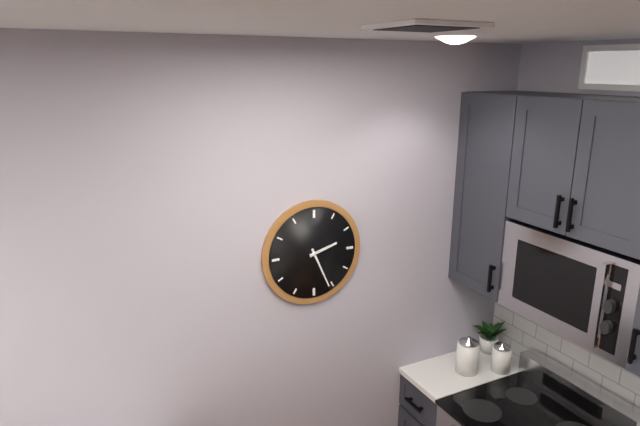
**2:26**
